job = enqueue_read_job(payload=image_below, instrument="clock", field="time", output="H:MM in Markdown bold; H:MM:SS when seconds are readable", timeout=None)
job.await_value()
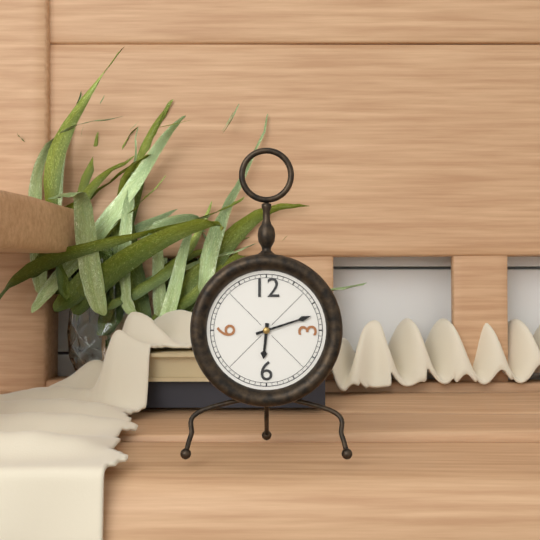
**6:12**
